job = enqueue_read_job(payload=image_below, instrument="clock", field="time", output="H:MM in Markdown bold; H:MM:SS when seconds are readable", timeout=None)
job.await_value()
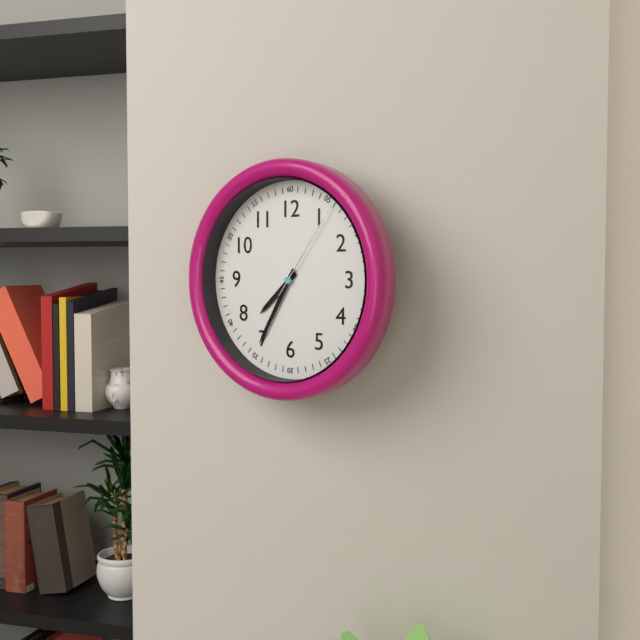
**7:35:06**
